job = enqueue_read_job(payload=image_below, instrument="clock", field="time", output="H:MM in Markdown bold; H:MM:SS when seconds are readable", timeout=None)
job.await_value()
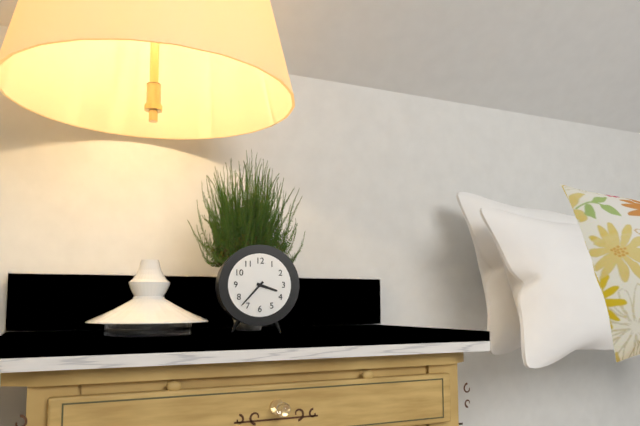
**3:37**
